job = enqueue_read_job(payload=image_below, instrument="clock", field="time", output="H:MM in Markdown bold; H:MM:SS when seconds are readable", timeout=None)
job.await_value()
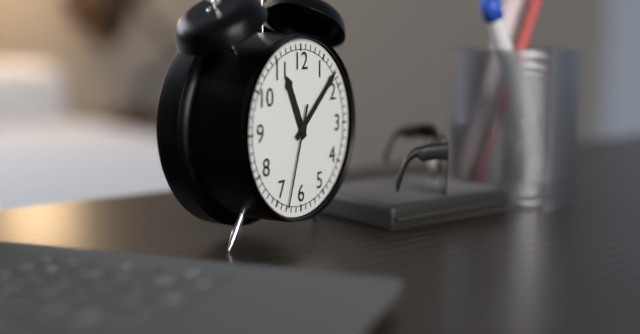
**11:08:33**
